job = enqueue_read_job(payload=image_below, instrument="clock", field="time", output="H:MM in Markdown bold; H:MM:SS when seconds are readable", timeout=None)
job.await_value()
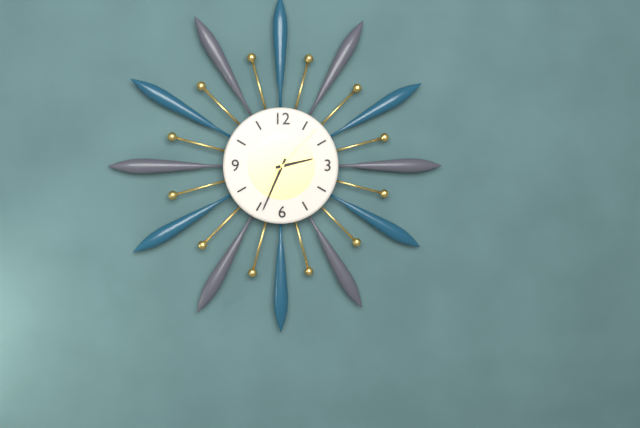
**2:34:07**
